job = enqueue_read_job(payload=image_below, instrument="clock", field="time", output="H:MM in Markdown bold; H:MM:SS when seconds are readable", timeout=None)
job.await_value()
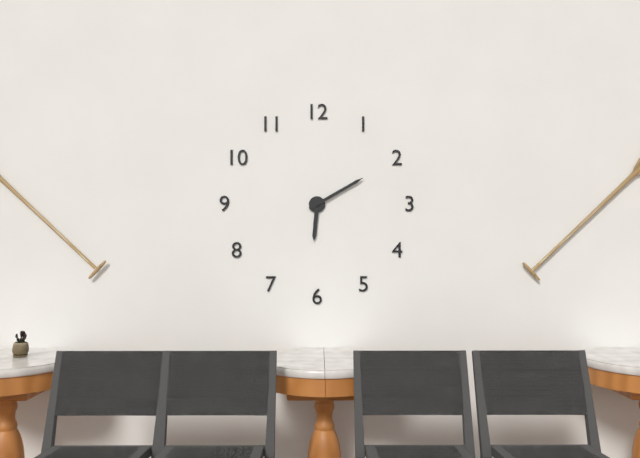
**6:10**
